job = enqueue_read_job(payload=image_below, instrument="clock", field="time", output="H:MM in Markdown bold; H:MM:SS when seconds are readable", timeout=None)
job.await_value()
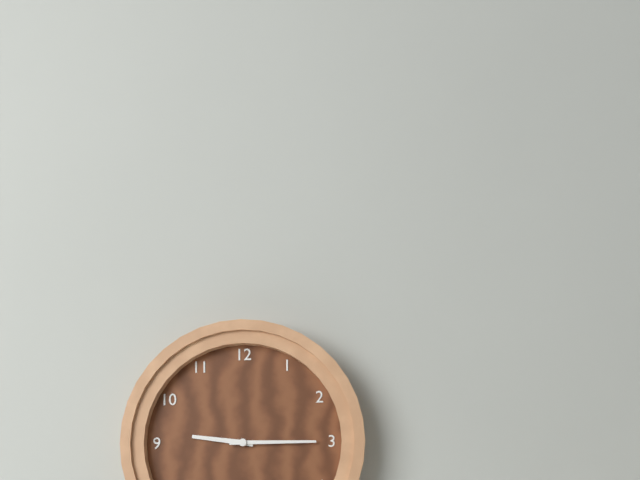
**9:15**
